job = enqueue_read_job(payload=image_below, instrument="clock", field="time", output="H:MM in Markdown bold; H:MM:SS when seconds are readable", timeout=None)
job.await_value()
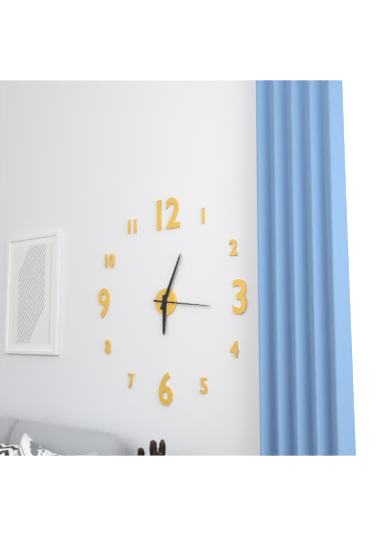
**6:04:16**
